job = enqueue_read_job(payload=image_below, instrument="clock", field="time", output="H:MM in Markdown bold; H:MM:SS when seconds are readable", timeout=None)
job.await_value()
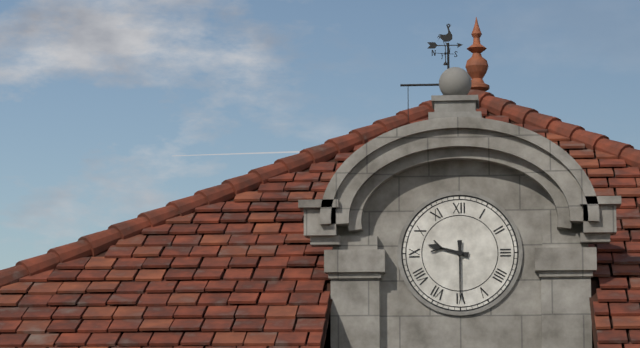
**9:30**
